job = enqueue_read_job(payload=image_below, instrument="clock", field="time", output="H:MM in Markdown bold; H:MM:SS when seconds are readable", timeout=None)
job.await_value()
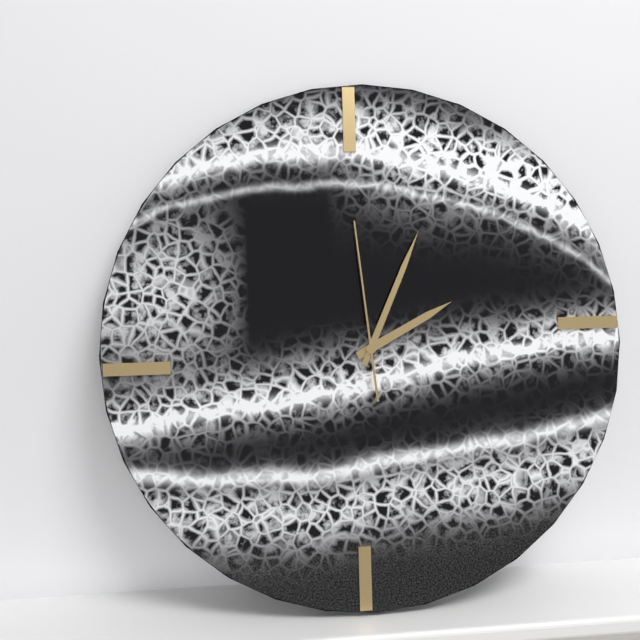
**2:04:59**
